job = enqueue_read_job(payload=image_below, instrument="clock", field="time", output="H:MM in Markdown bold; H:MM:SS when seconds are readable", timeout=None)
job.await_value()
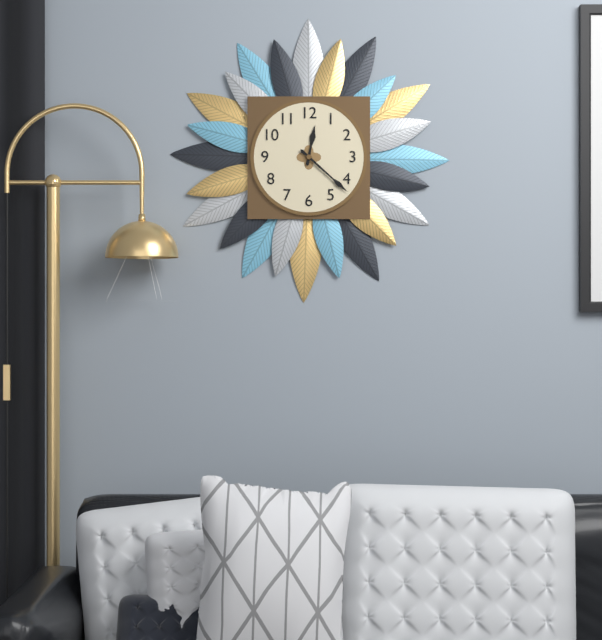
**12:22**
